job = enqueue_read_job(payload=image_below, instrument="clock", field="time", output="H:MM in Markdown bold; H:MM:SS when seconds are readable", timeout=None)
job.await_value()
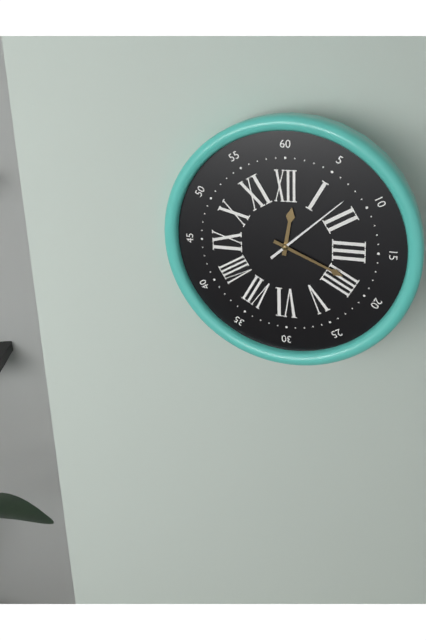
**12:19:08**
